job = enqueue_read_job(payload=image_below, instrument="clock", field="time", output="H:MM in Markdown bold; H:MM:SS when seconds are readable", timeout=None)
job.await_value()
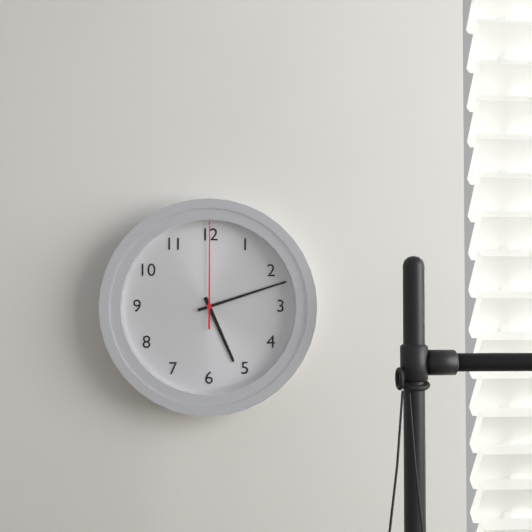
**5:12:00**
